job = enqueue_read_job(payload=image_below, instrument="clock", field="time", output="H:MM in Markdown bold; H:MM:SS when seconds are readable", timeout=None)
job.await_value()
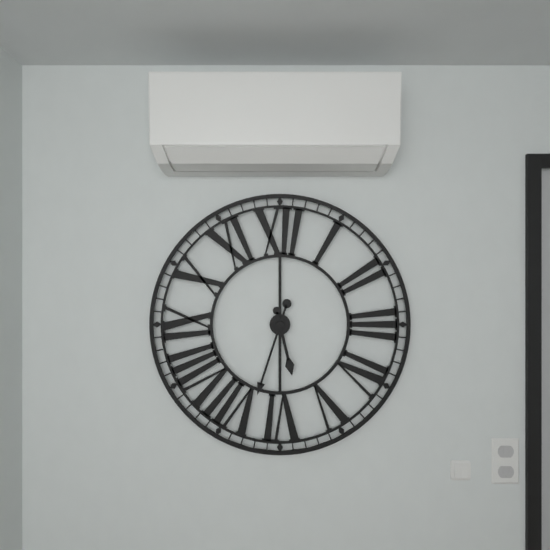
**5:33**
